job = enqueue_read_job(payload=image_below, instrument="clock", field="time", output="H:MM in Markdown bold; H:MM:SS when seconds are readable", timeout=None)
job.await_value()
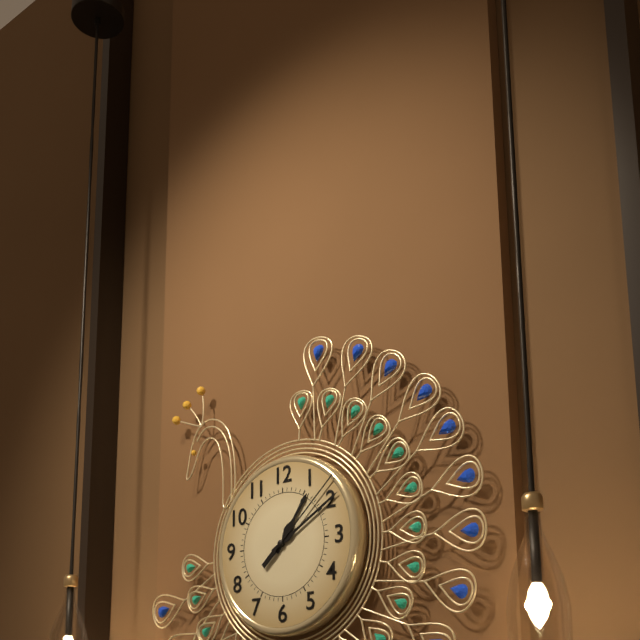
**1:10:08**
